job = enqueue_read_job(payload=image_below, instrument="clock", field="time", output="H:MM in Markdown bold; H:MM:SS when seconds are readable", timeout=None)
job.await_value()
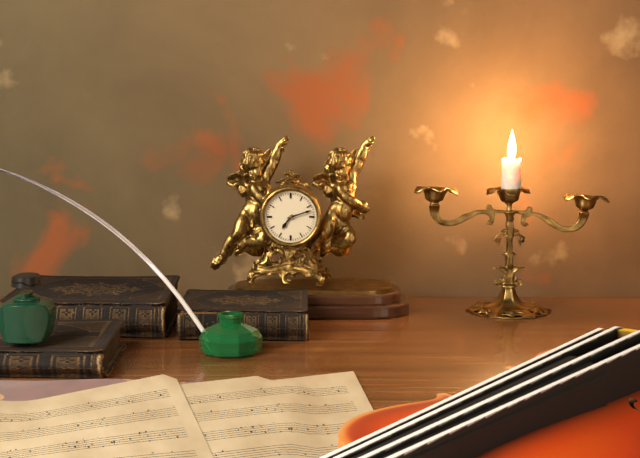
**7:12**
